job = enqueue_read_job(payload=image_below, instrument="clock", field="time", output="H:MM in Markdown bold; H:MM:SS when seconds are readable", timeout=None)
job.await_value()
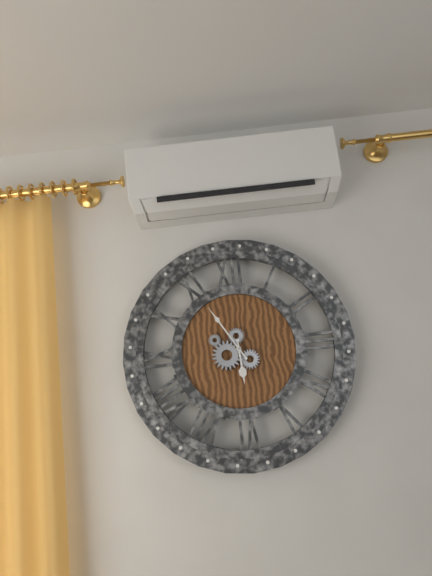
**5:55**
